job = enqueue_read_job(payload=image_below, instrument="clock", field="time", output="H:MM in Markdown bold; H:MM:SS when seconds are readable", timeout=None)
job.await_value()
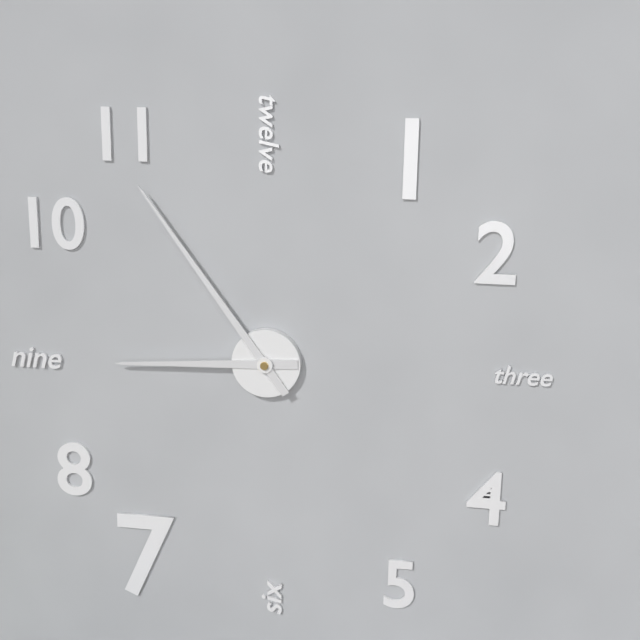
**8:54**
